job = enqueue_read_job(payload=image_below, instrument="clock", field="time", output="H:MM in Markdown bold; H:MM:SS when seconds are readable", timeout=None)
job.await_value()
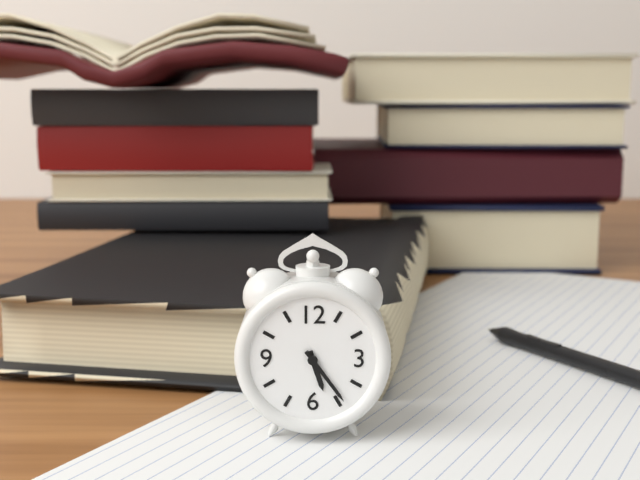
**5:24**
